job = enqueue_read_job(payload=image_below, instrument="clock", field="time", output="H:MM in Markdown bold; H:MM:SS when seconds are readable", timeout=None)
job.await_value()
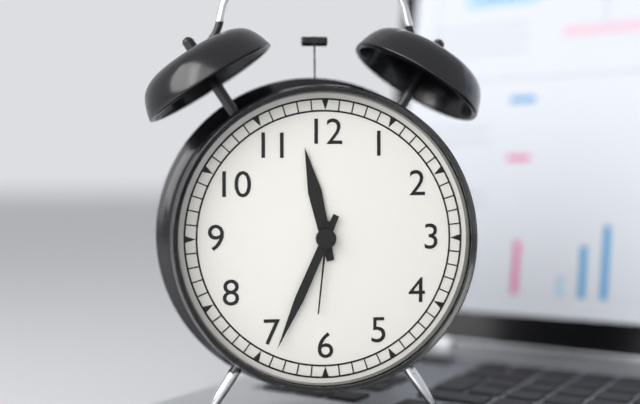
**11:34:31**
